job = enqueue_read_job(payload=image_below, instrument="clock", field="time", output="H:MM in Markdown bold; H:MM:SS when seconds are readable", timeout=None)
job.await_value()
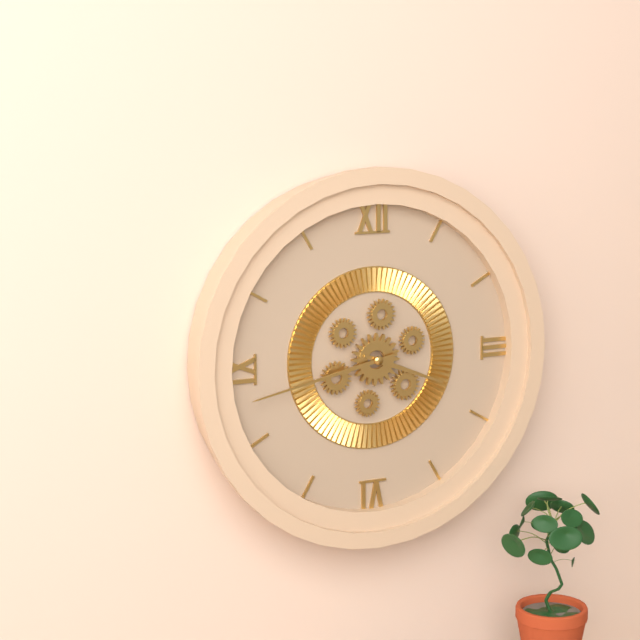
**3:43**
